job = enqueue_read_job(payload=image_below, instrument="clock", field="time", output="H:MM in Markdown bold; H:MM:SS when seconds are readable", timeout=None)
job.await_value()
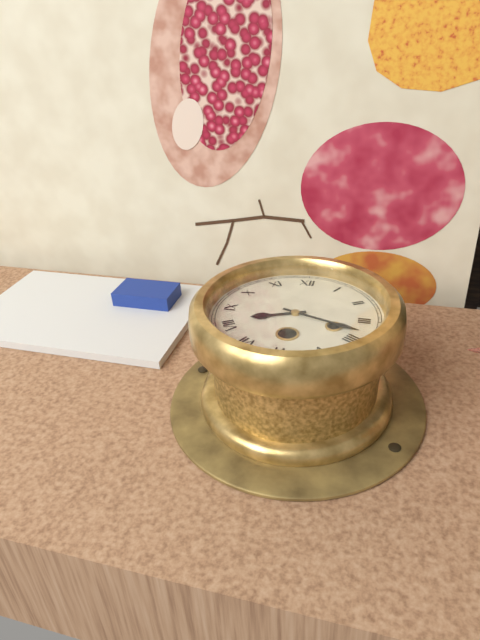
**8:18**
